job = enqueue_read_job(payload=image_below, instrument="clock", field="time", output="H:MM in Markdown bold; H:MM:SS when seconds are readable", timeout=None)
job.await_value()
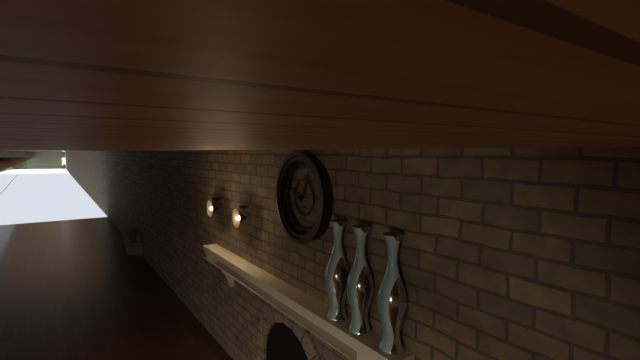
**12:47**
